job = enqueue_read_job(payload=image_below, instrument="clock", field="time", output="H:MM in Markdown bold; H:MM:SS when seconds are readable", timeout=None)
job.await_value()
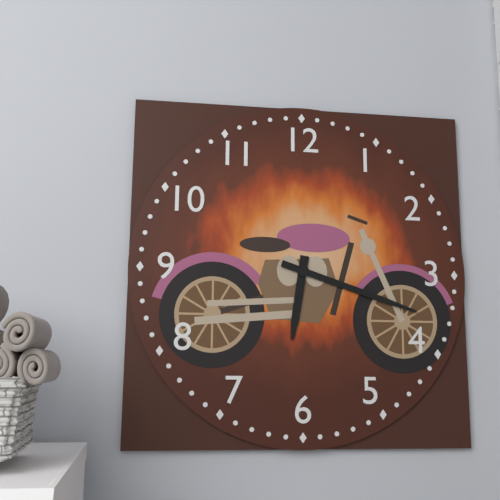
**6:18**
